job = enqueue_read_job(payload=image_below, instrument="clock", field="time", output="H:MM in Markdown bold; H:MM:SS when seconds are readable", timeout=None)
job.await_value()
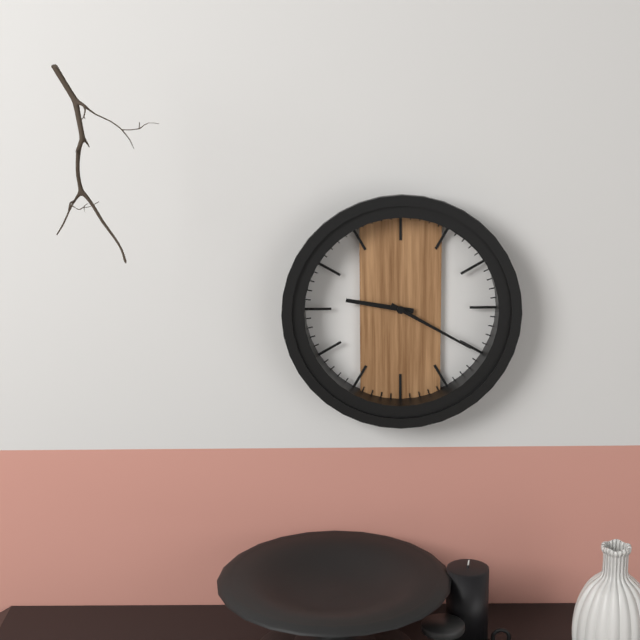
**9:20**
